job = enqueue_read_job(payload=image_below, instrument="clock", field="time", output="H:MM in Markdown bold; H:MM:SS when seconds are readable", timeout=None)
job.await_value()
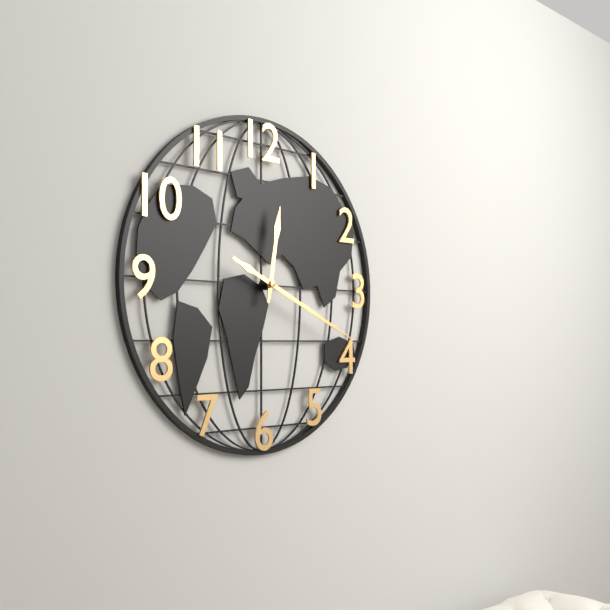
**12:19**
